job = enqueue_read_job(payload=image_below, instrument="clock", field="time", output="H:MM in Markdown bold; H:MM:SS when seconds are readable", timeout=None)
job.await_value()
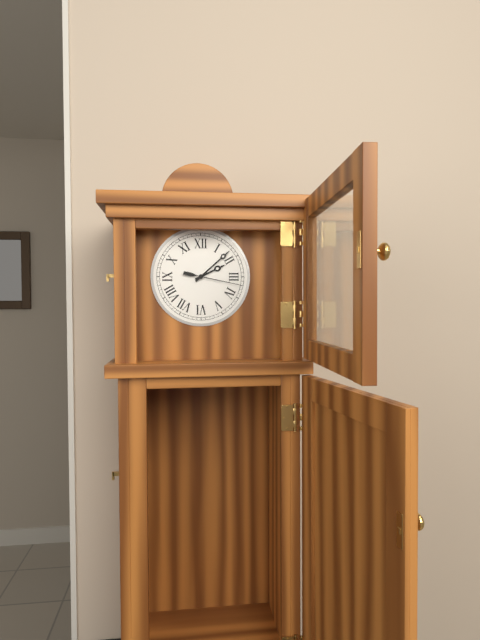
**2:08:17**
